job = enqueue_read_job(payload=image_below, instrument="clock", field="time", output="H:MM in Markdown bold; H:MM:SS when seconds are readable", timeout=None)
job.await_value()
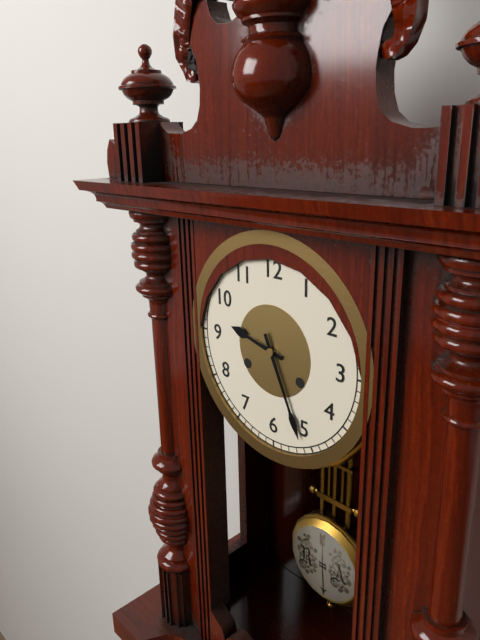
**9:26**
